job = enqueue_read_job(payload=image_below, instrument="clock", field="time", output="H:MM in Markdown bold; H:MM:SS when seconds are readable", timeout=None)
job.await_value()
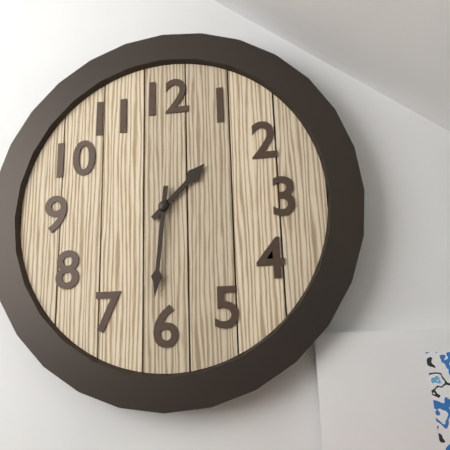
**1:31**
